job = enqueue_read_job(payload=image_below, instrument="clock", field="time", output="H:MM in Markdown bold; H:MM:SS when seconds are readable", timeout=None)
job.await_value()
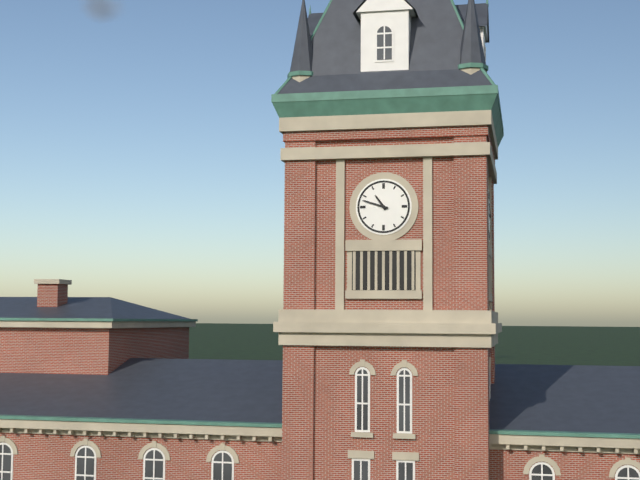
**10:48**
